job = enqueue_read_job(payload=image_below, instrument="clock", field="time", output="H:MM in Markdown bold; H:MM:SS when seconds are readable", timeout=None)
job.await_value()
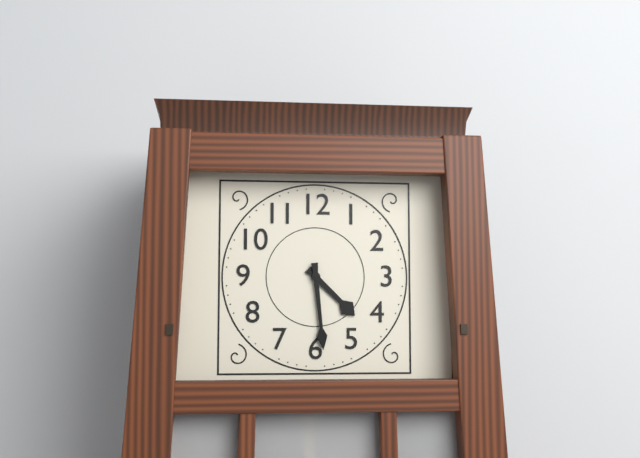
**4:29**
